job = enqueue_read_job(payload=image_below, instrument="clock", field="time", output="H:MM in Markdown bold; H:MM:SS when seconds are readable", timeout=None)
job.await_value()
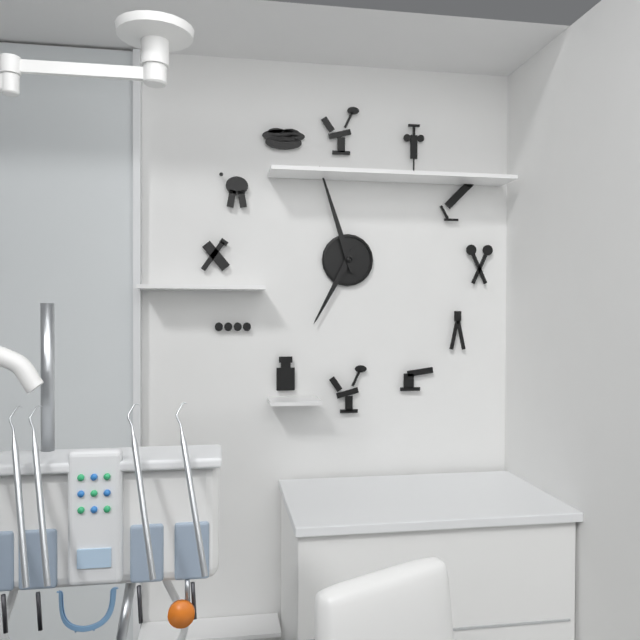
**6:57**
